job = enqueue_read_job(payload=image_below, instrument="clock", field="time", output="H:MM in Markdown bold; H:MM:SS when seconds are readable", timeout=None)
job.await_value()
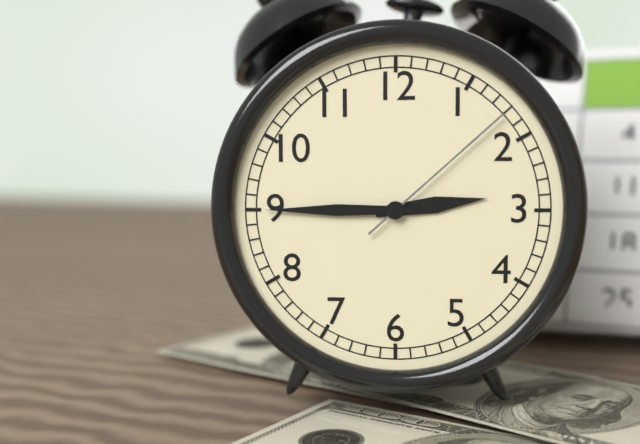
**2:45:08**
